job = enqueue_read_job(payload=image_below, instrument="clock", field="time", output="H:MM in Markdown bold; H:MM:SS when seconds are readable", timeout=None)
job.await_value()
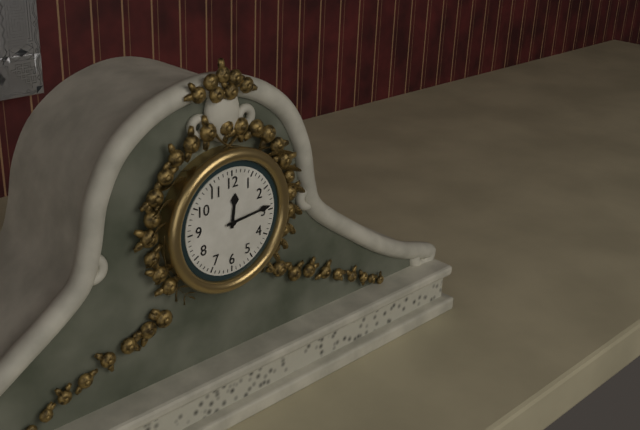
**12:14**
